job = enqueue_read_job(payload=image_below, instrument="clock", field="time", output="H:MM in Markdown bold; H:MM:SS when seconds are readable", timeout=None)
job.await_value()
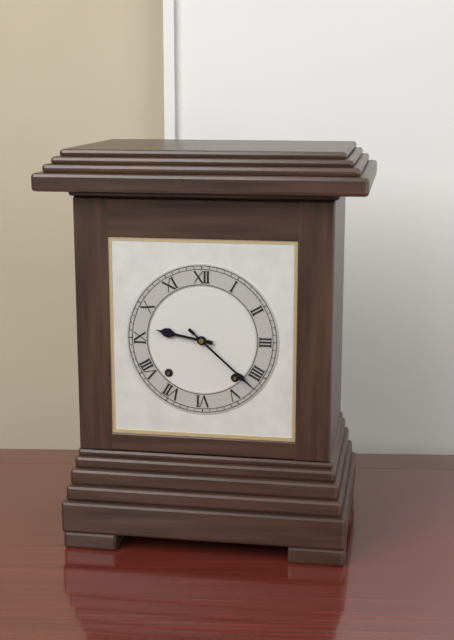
**9:22**
